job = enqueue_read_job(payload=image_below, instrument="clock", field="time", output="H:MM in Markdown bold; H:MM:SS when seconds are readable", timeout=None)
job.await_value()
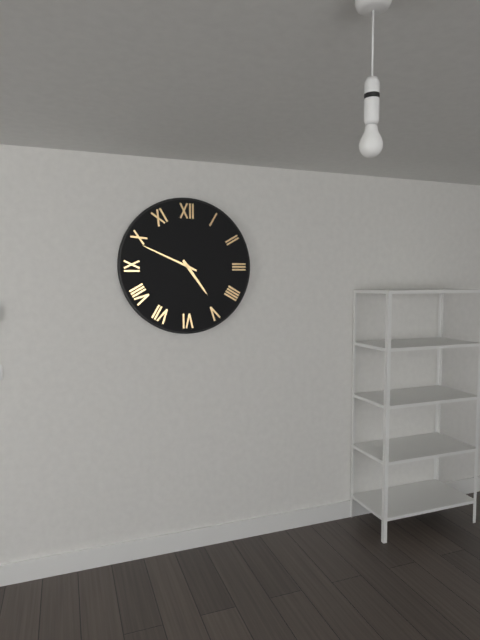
**4:49**
